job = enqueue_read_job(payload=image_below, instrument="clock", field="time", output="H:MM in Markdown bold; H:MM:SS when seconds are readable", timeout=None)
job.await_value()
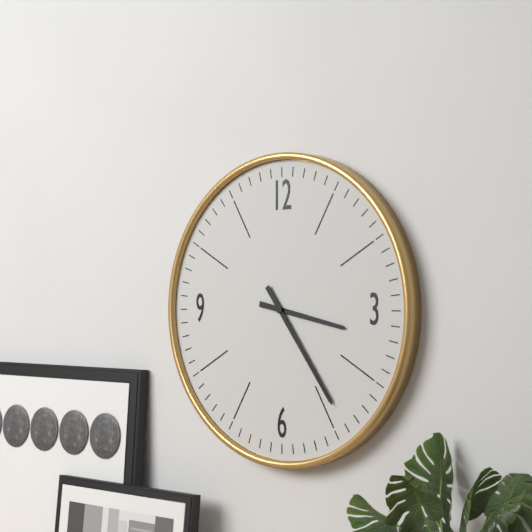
**3:24**
